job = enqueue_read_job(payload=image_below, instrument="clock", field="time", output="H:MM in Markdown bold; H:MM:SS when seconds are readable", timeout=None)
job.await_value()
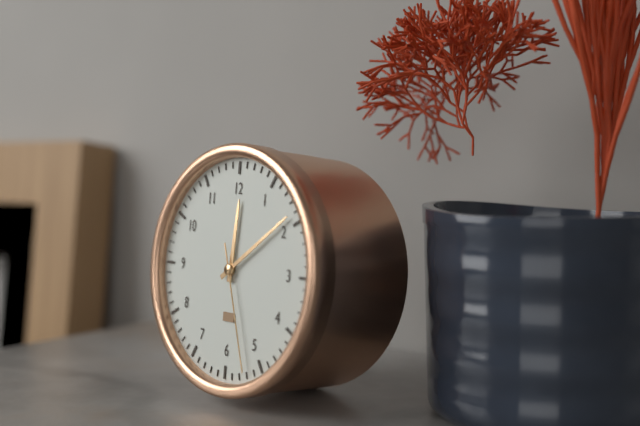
**12:09:27**
